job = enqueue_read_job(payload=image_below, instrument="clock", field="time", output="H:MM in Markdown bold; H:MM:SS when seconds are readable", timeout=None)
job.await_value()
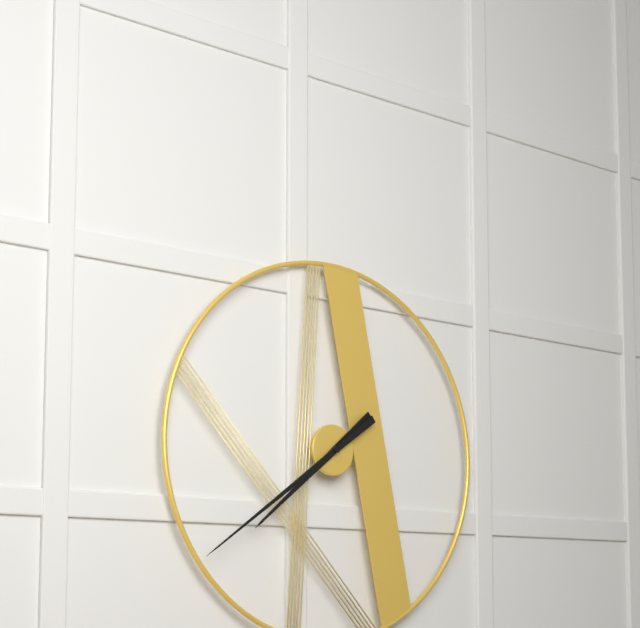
**7:39**
